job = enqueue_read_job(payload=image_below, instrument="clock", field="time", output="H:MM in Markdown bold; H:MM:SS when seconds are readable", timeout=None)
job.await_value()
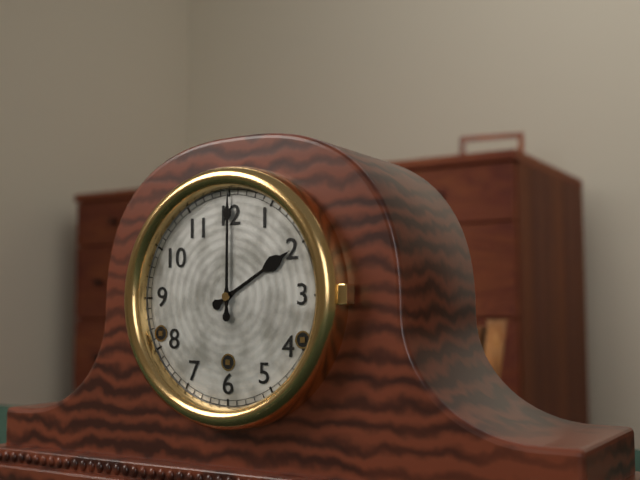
**2:00**
